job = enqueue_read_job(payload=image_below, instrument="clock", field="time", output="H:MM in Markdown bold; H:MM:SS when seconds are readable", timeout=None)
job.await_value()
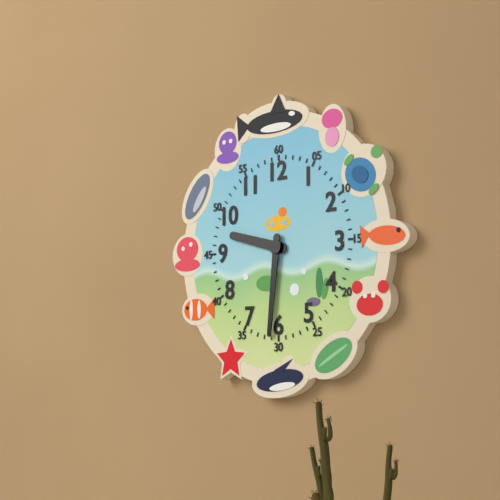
**9:31**
